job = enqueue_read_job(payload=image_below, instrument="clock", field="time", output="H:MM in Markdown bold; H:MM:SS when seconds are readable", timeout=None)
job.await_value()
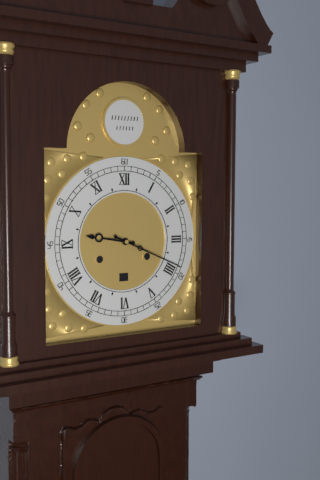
**9:19**
